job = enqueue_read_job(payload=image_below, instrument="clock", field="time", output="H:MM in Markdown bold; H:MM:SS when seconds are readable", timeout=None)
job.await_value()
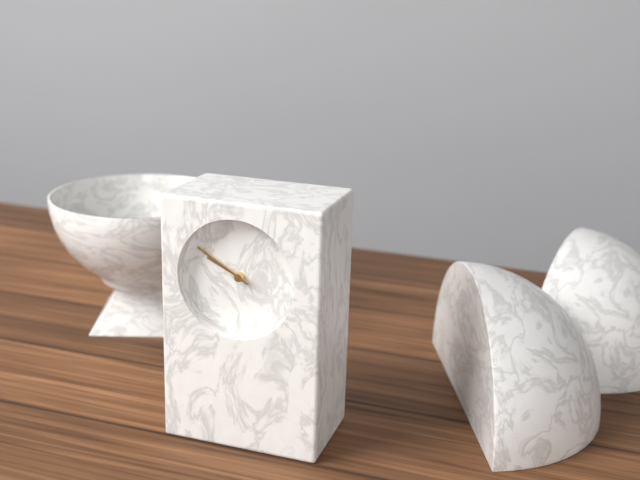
**9:50**
